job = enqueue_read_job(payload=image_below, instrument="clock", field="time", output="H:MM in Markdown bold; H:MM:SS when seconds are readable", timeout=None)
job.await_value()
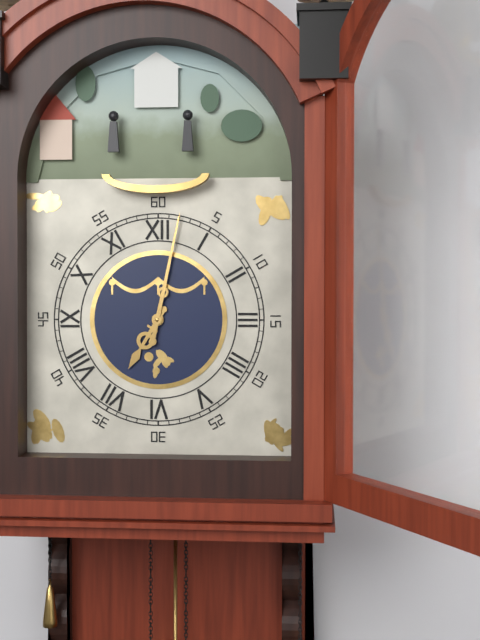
**7:02**
